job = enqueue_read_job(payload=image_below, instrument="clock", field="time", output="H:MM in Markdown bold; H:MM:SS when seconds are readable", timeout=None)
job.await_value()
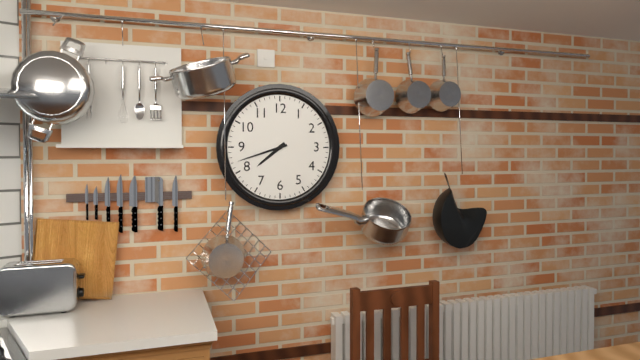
**7:42**
